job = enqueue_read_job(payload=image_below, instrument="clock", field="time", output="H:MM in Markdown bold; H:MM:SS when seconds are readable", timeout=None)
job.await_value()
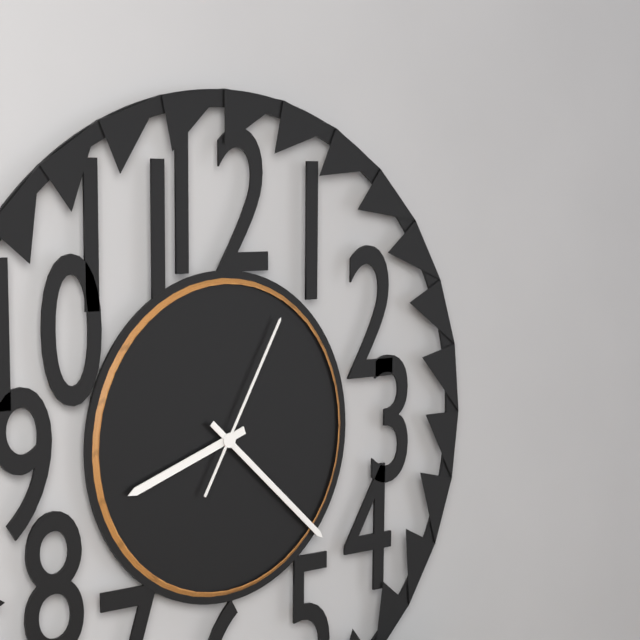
**8:22:05**
